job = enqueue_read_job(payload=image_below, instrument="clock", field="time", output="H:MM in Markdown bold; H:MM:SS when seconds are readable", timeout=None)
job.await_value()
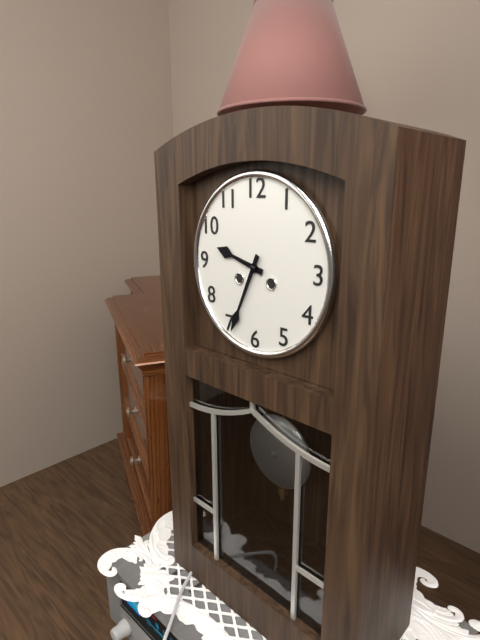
**9:34**
